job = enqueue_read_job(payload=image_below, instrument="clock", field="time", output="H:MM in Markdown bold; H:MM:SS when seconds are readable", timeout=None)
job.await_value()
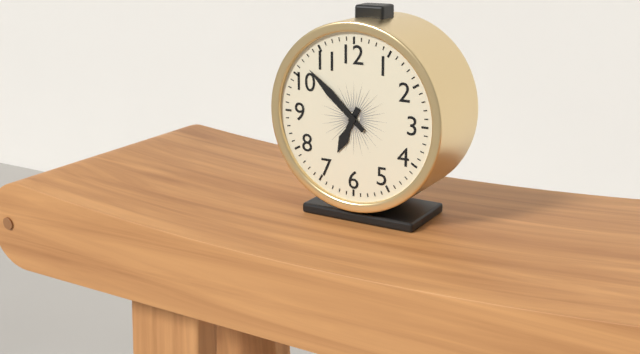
**6:52**
